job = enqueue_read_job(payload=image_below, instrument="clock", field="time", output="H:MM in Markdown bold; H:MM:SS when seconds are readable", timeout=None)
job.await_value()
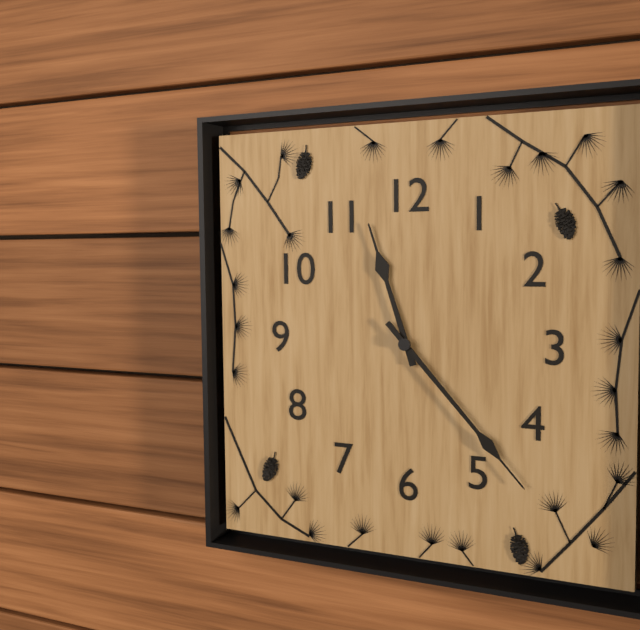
**11:23**
